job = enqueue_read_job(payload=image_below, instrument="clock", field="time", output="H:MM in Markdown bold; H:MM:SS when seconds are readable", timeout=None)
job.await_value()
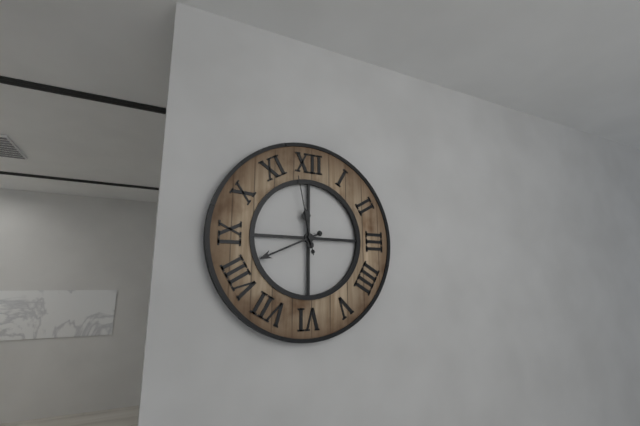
**11:41:58**
